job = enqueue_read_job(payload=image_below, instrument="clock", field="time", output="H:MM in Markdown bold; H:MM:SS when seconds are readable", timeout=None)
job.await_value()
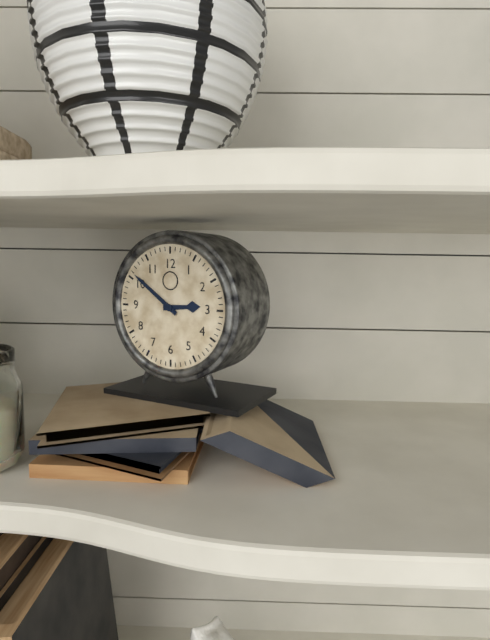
**2:51**
